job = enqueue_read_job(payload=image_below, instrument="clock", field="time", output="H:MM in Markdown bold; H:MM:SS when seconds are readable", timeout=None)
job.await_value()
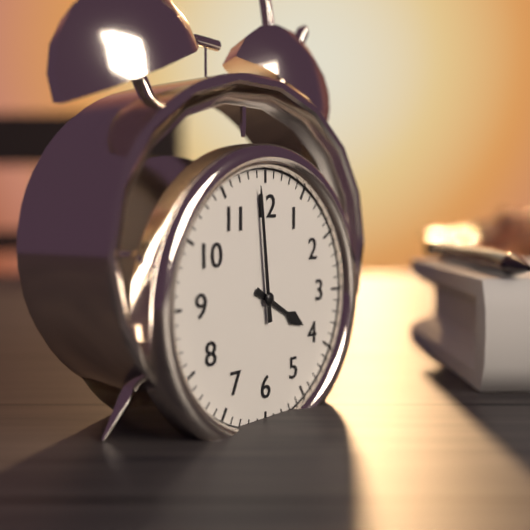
**3:59**
